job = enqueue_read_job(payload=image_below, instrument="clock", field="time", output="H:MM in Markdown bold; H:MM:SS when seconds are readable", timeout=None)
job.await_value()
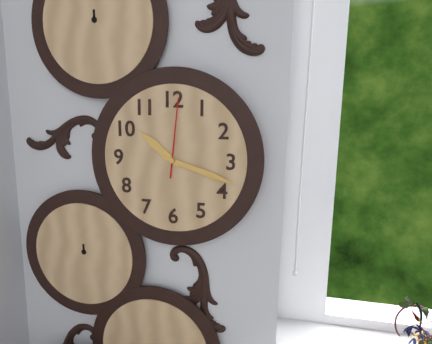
**10:18:01**
